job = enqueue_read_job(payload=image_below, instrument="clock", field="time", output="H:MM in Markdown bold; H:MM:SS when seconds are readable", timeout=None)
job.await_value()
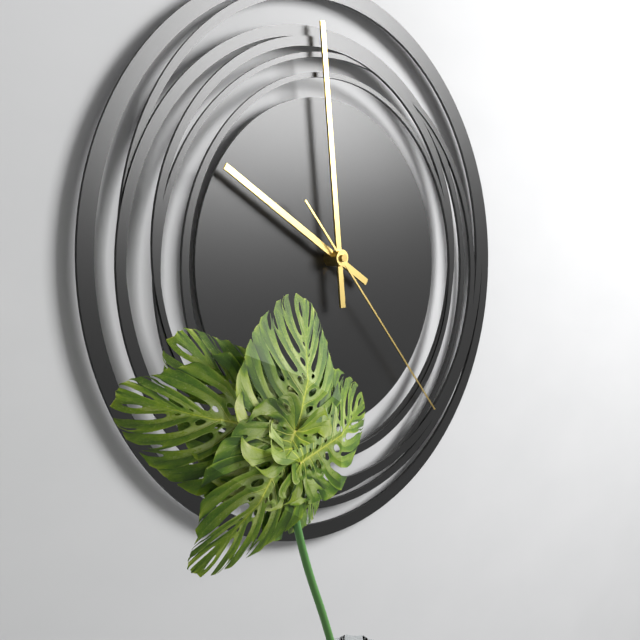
**9:59:23**
